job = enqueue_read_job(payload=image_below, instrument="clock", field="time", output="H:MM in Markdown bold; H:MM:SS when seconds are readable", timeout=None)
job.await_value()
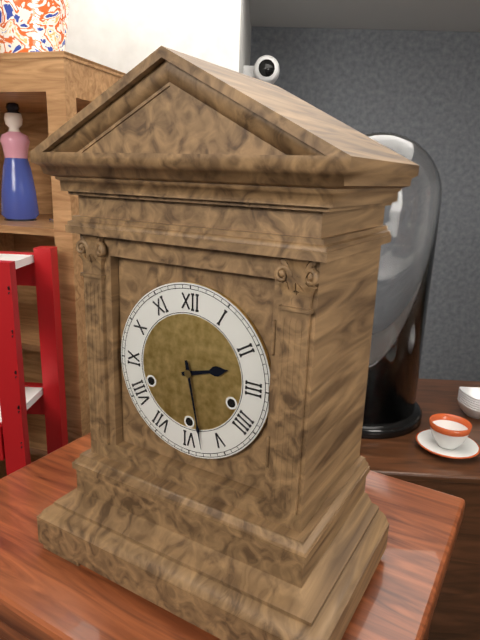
**2:28**
